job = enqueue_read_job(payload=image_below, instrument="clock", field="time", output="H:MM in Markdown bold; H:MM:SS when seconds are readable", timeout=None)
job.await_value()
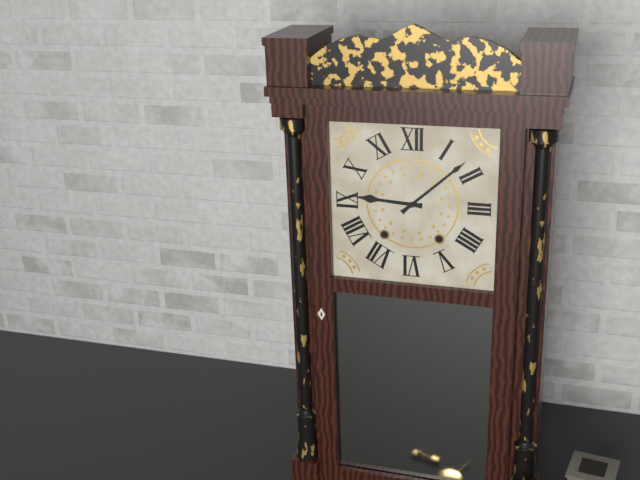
**9:08**
